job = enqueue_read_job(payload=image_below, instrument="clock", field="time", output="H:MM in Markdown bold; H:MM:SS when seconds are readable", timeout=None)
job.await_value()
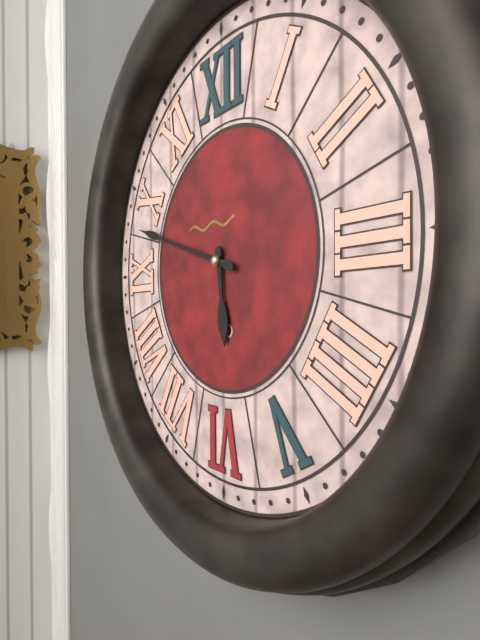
**5:48**
